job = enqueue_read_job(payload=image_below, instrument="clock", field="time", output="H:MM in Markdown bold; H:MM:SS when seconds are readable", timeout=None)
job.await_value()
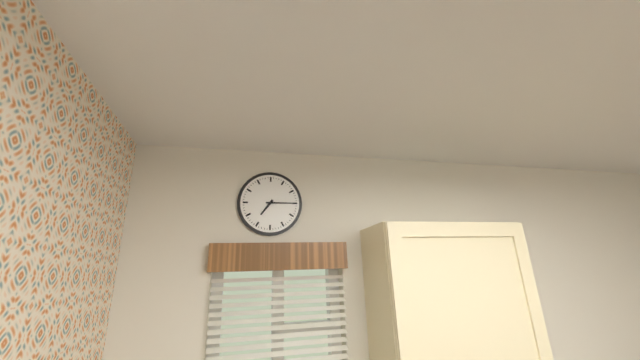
**7:15**
